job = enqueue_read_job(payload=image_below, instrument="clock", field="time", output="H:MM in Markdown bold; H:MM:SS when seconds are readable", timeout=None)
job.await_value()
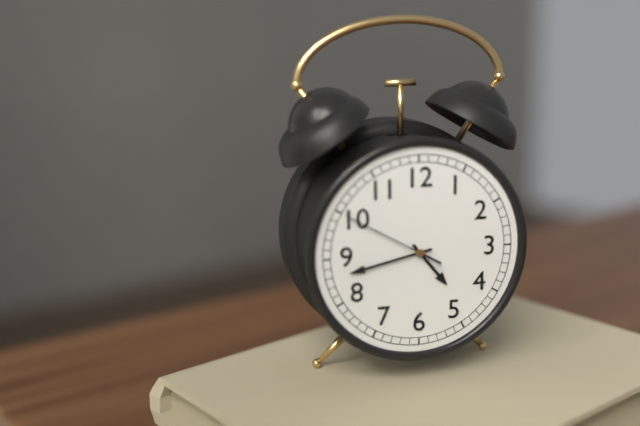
**4:43:50**
